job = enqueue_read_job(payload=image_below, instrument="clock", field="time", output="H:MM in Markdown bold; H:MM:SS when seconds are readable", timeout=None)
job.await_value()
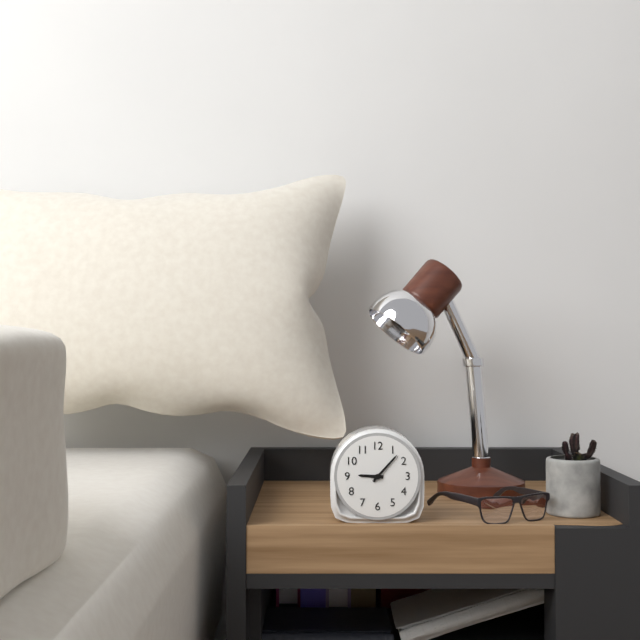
**9:07**
